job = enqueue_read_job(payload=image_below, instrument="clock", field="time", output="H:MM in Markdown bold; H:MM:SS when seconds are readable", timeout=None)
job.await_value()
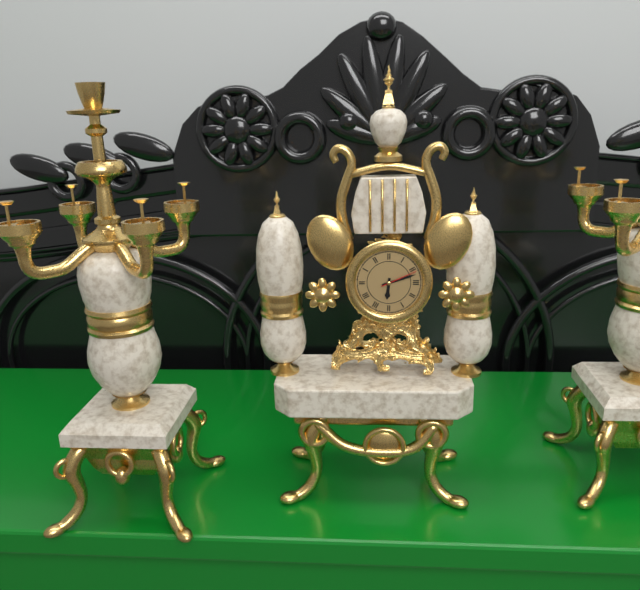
**6:12**
